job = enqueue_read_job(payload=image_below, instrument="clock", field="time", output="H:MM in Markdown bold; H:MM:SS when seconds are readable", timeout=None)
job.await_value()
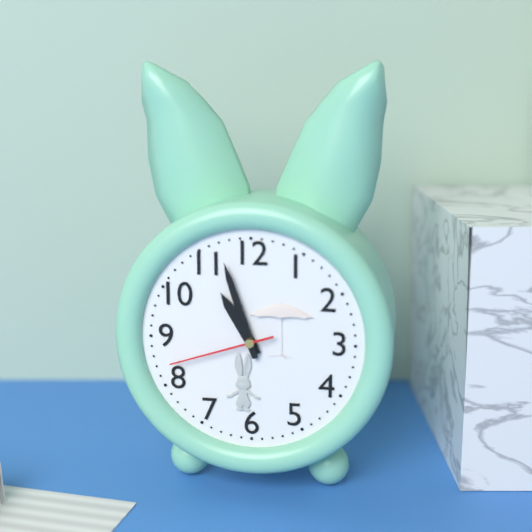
**10:57:42**
